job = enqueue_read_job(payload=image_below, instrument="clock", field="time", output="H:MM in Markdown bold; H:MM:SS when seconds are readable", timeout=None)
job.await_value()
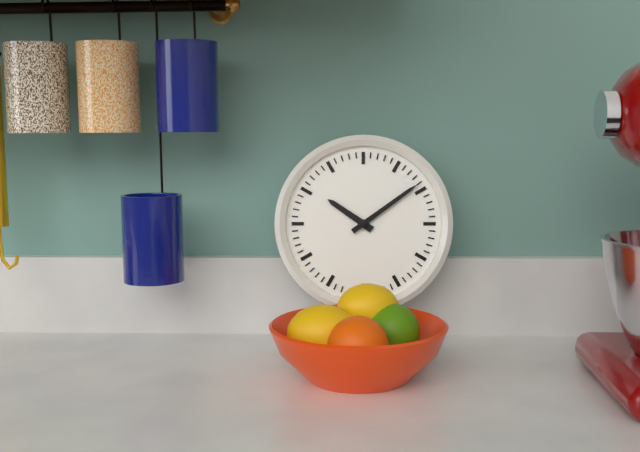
**10:09**
